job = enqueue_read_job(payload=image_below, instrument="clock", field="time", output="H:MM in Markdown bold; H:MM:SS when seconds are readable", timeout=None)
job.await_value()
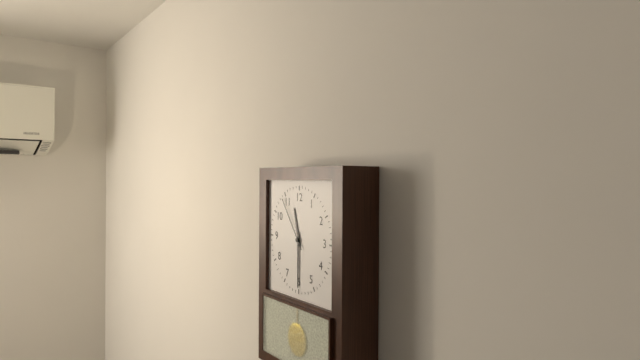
**11:30:54**
